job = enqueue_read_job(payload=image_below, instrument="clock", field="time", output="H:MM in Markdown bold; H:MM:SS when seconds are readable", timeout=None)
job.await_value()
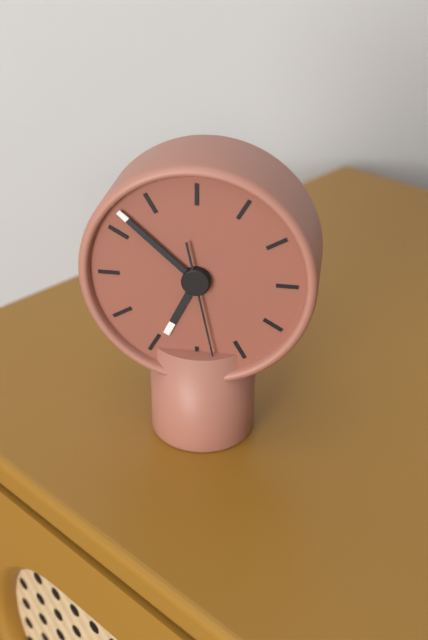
**6:52:28**
